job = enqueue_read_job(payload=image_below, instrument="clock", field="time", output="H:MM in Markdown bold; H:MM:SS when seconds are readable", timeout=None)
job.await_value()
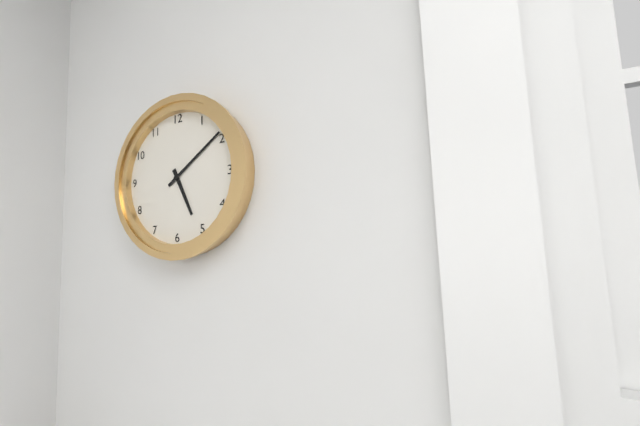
**5:09**
